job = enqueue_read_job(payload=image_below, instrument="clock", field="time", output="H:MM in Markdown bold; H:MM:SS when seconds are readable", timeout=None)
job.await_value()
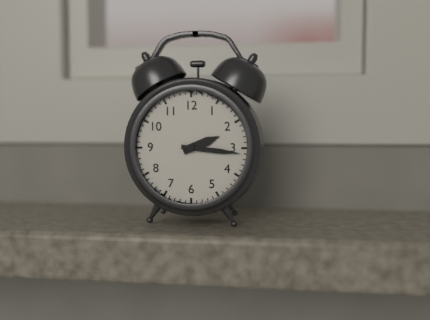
**2:16**
